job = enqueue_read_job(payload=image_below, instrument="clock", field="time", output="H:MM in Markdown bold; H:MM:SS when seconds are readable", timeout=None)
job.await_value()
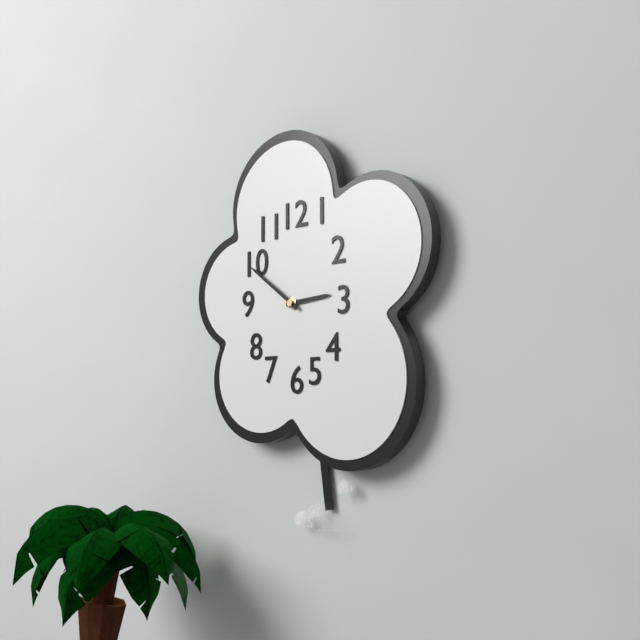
**2:51**
